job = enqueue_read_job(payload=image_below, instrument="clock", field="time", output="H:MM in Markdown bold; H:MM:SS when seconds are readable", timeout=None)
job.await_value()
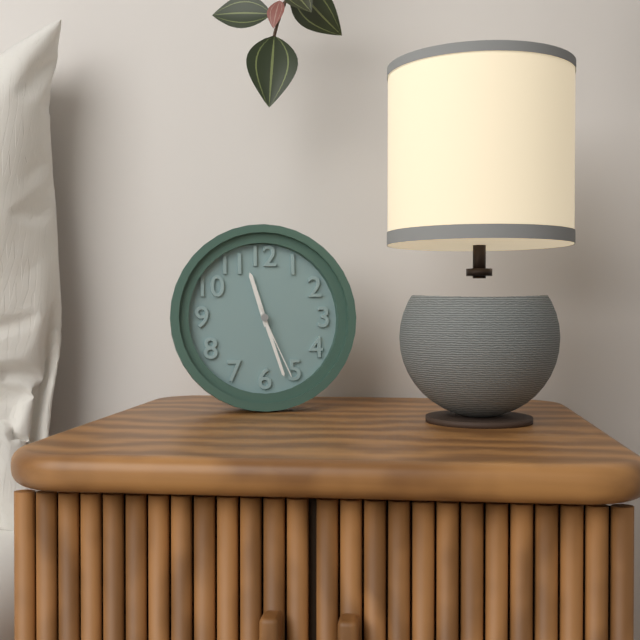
**11:27:26**
